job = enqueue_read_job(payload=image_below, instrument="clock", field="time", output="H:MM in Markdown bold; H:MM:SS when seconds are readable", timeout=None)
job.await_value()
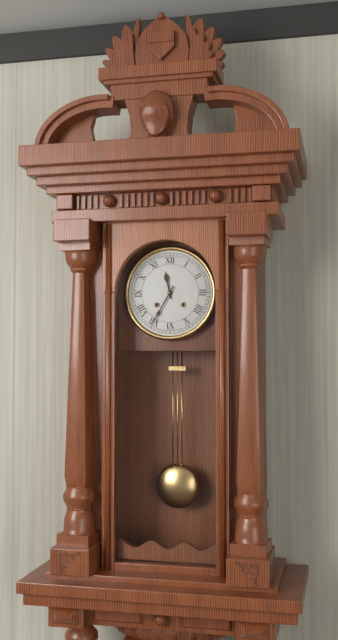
**11:35**
